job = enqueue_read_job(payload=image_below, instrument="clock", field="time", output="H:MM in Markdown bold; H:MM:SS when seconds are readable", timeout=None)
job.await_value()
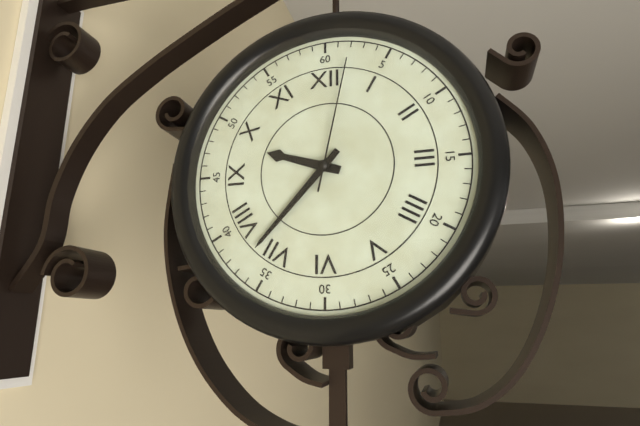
**9:37:02**
